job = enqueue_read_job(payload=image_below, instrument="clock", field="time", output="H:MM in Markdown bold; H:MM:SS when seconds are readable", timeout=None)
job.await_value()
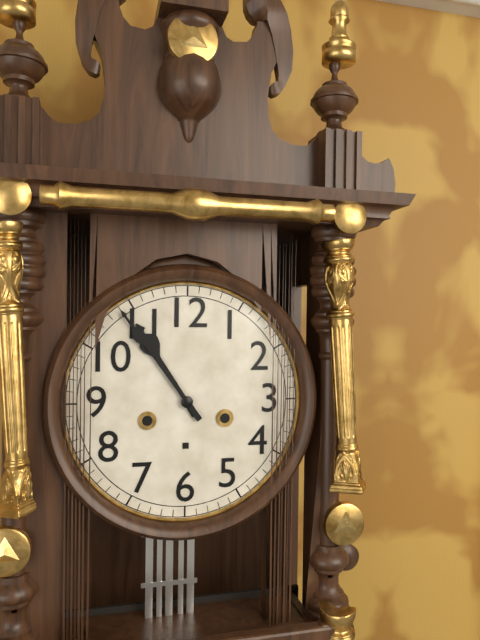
**10:54**
